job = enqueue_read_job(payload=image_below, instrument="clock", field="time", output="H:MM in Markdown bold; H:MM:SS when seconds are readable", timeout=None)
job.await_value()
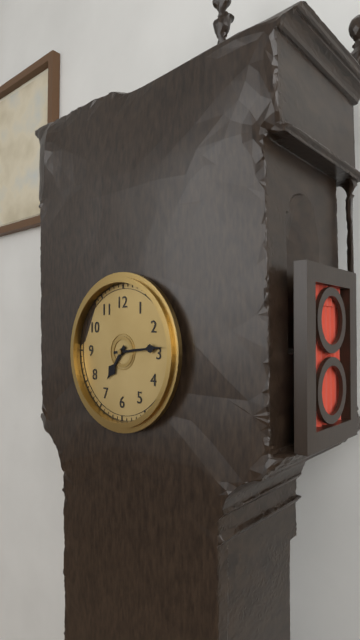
**7:14**
